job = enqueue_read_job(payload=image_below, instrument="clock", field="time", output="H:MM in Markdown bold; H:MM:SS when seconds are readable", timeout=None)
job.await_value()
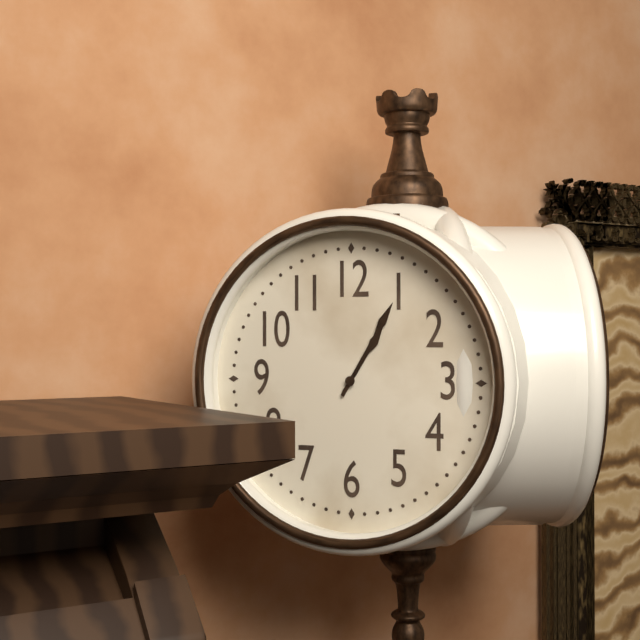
**1:05**
